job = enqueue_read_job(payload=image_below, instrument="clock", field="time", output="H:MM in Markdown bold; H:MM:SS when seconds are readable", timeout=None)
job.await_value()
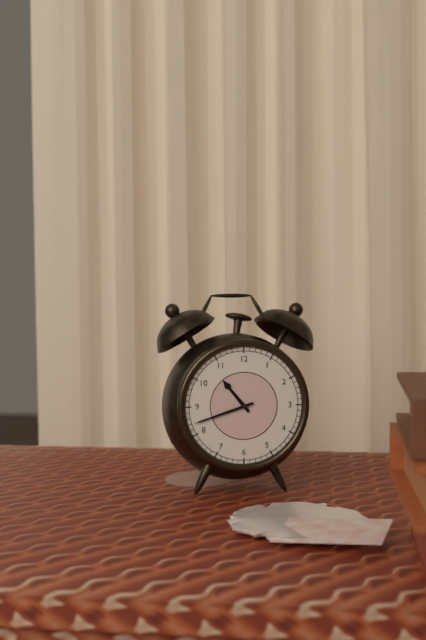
**10:42**
